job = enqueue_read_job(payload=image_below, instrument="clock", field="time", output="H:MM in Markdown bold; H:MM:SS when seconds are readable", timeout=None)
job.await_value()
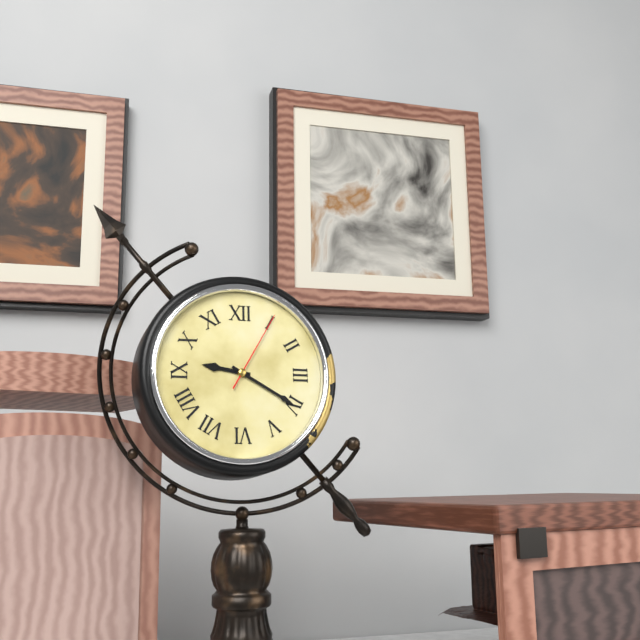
**9:20:05**
